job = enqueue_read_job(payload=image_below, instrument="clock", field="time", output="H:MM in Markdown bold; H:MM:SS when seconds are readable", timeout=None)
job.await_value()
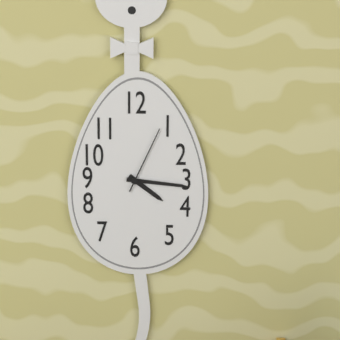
**4:16:04**
